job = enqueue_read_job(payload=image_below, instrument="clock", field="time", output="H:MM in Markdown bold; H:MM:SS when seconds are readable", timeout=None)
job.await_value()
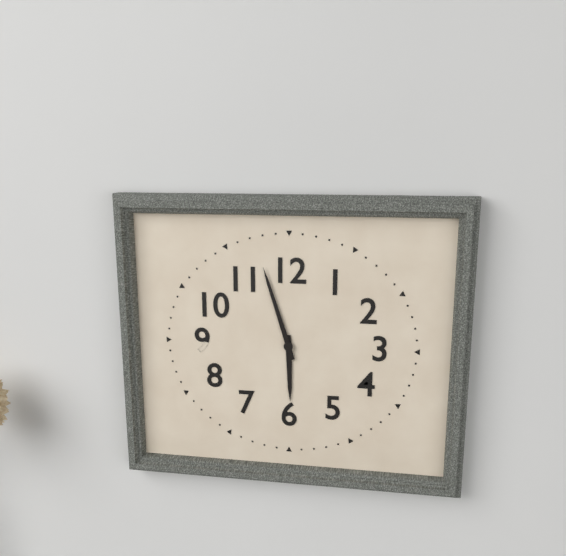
**5:57**
